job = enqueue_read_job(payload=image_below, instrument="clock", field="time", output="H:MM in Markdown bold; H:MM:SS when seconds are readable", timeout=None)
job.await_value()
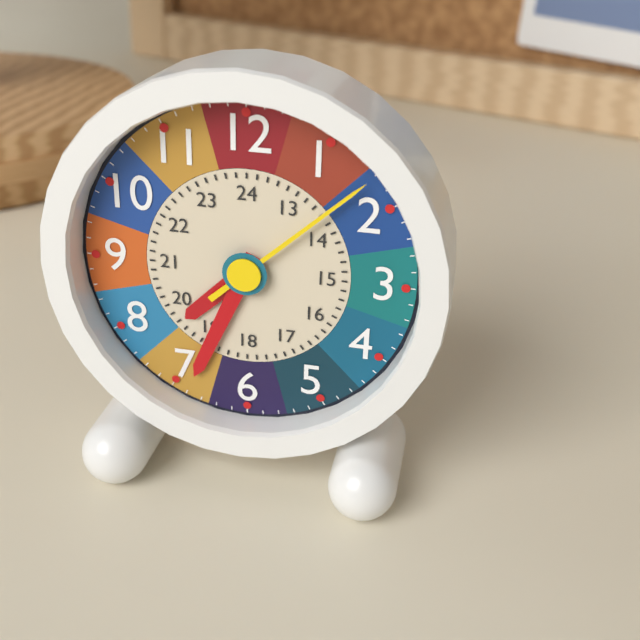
**7:34:08**
